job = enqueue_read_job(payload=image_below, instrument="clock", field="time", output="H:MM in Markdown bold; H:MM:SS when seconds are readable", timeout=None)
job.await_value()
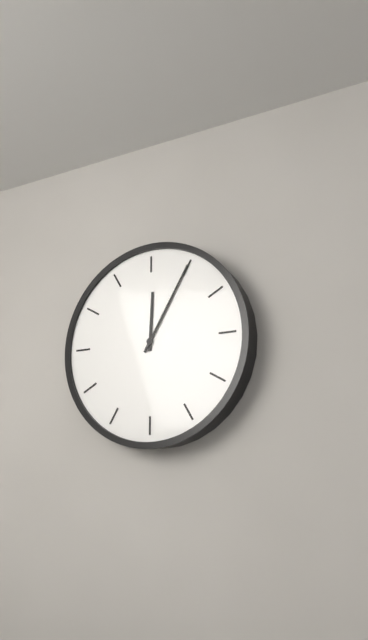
**12:05**
